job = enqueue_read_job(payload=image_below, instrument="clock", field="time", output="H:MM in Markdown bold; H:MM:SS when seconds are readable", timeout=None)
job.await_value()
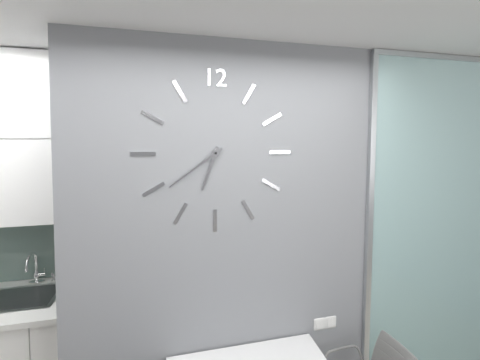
**6:39**
